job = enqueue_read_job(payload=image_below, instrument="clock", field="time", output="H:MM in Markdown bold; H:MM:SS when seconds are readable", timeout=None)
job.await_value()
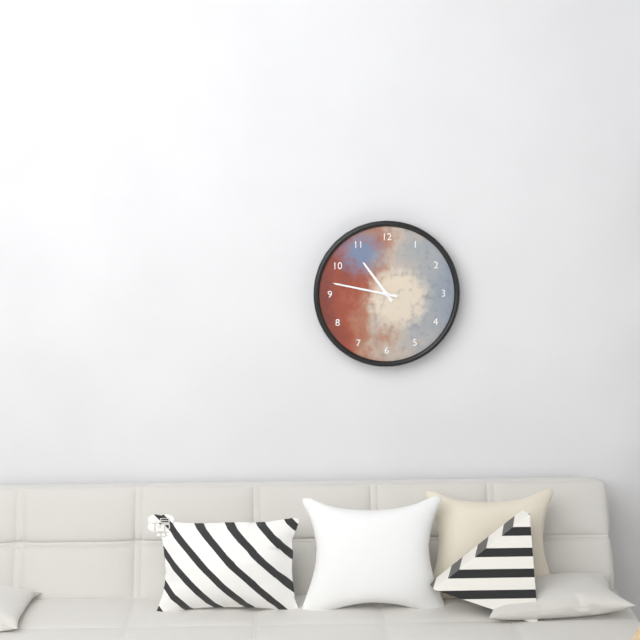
**10:47**
